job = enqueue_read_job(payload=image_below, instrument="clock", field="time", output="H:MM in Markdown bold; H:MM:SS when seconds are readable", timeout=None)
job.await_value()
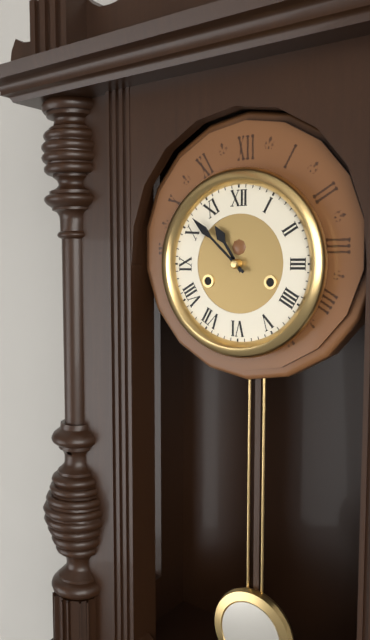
**10:52**
